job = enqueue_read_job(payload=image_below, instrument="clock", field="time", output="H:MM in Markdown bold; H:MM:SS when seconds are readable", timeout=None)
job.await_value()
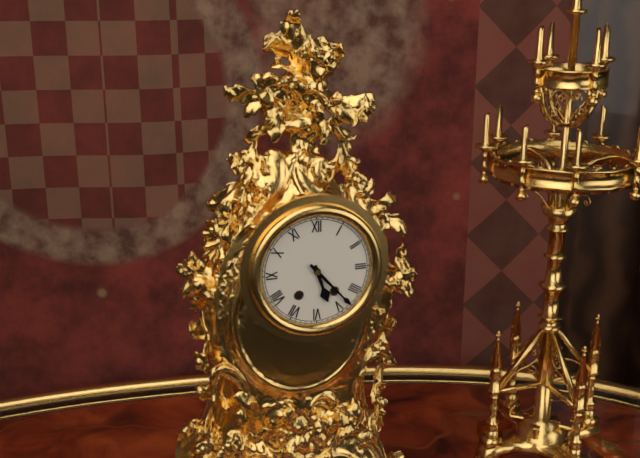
**5:23**
